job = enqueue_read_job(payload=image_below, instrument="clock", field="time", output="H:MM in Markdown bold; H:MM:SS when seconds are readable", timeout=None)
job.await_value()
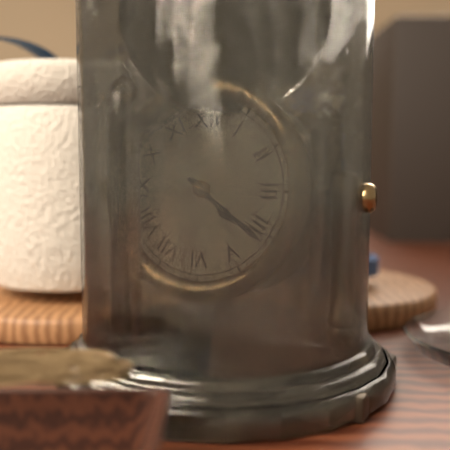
**4:21**
